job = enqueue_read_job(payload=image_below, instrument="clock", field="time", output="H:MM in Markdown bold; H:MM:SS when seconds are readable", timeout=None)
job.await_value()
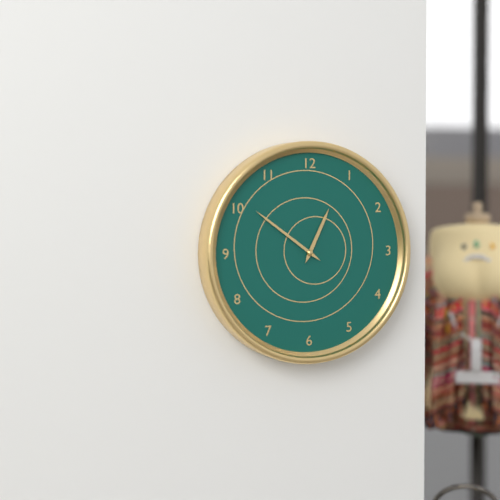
**12:51**
